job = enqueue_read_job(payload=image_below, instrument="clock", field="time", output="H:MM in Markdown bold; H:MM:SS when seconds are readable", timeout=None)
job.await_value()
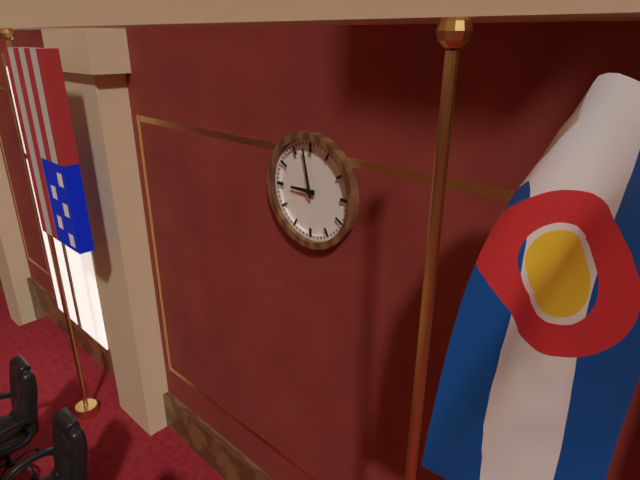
**8:58**
